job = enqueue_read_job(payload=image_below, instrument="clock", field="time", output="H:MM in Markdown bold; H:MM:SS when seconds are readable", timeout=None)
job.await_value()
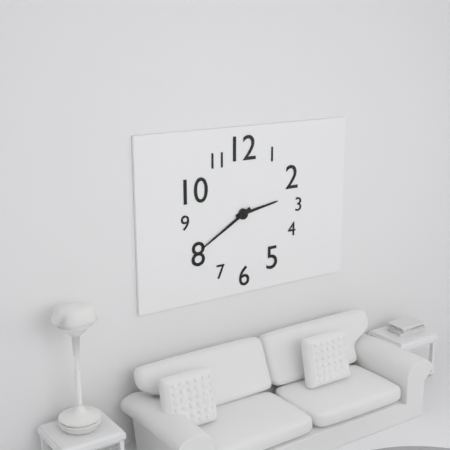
**2:40**
